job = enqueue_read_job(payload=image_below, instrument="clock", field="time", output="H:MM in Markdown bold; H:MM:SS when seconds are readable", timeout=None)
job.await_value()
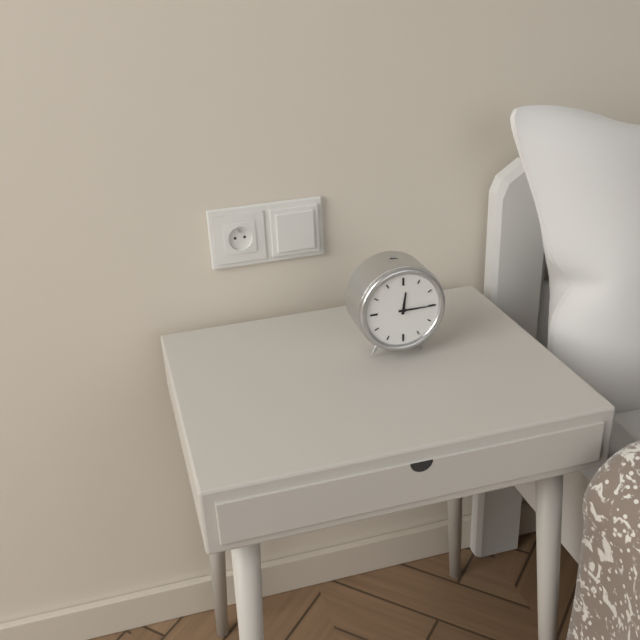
**12:15**
